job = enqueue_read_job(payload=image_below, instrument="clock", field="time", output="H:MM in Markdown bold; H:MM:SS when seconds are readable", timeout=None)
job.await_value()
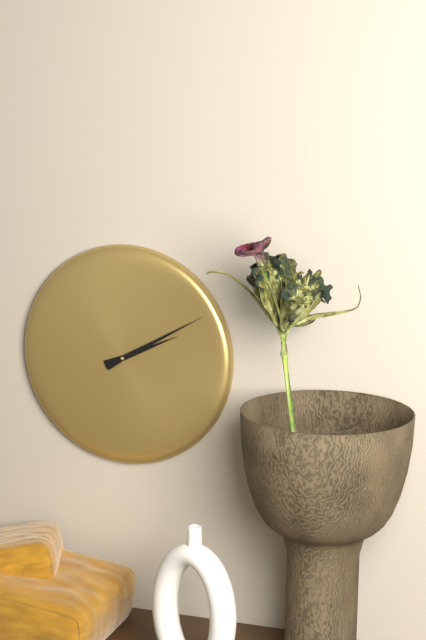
**2:10**
